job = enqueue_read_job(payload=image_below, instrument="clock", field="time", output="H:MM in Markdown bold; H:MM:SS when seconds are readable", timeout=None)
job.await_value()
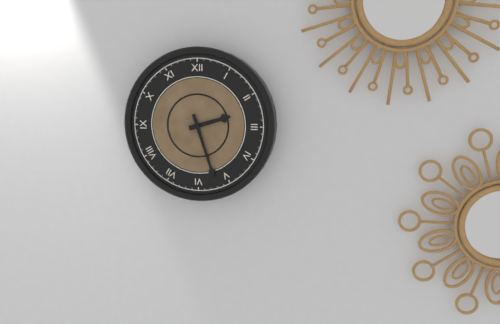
**2:27**
